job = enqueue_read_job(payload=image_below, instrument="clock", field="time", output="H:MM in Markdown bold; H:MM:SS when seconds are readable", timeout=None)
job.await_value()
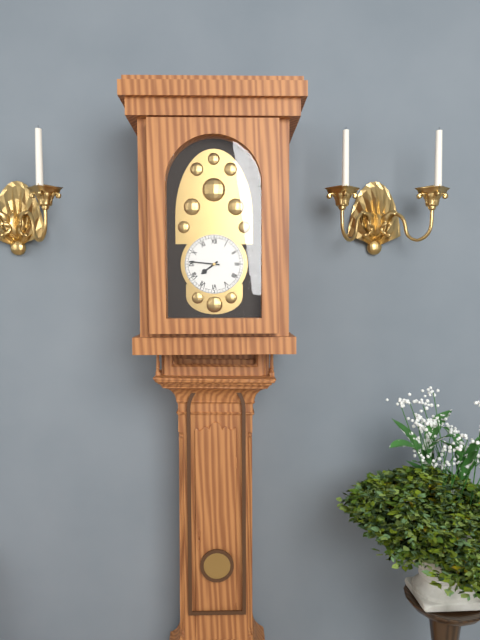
**7:46**
